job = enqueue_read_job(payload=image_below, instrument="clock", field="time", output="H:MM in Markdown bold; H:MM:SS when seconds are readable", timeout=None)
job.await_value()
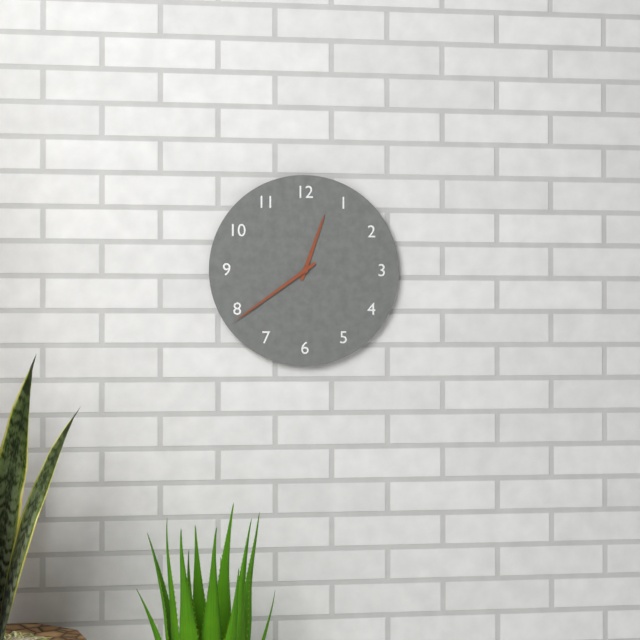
**12:39**
